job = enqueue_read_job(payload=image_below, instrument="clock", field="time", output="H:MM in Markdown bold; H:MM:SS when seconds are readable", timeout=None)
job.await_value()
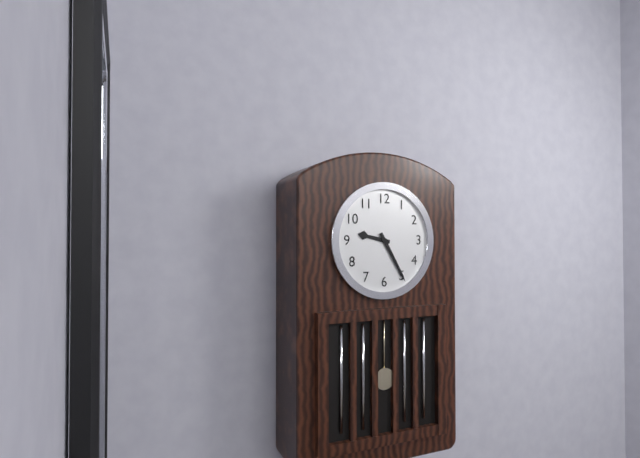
**9:25**
